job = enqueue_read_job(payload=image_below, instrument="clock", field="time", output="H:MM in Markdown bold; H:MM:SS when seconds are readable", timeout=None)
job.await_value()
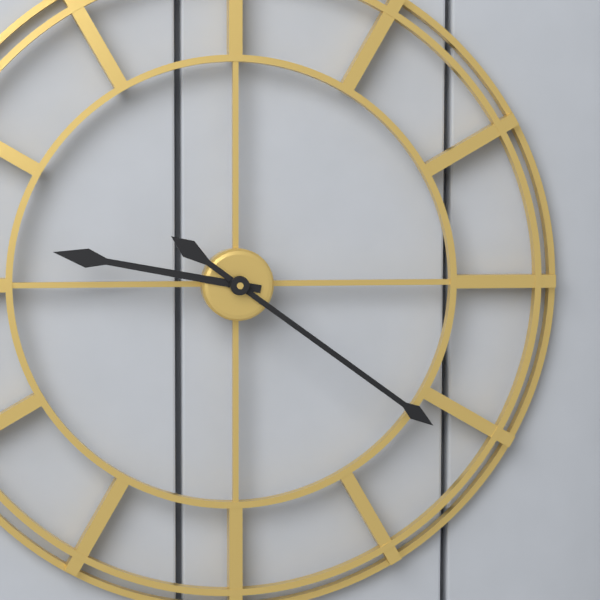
**9:21**
